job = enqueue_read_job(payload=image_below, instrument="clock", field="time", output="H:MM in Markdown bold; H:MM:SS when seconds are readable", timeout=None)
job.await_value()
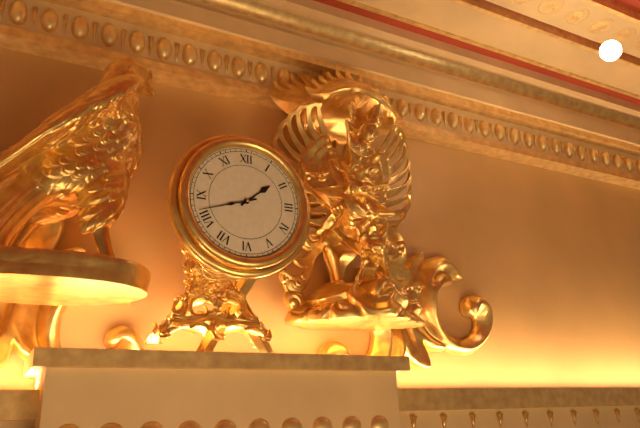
**1:42**
